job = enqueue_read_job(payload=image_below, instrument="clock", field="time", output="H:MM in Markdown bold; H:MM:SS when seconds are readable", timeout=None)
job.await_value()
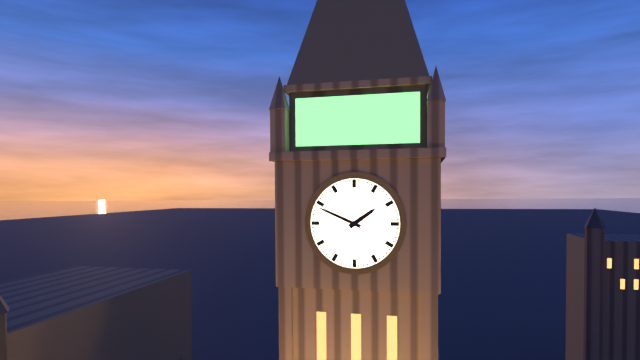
**1:49**
